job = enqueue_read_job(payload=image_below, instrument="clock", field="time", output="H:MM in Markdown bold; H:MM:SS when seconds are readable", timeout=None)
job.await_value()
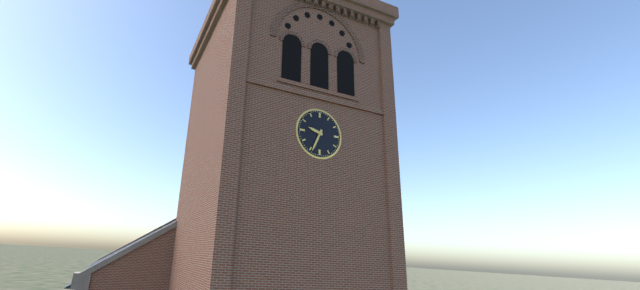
**9:34**
